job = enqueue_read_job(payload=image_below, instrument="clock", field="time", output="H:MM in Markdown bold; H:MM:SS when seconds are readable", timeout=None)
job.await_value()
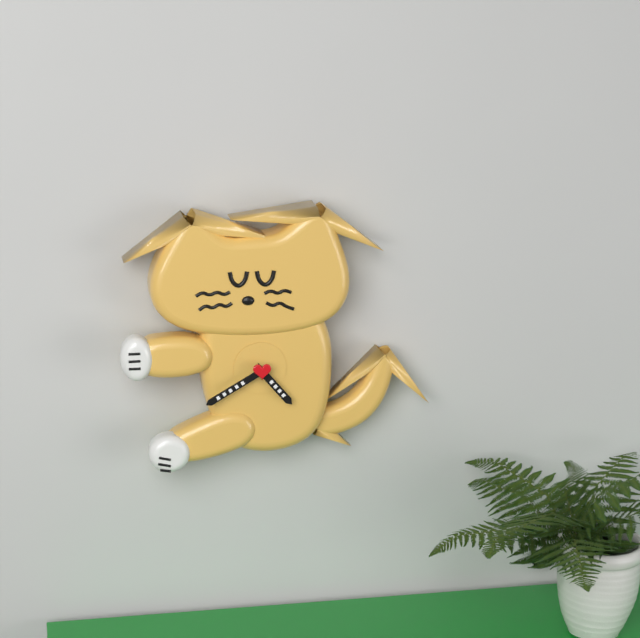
**4:40**
